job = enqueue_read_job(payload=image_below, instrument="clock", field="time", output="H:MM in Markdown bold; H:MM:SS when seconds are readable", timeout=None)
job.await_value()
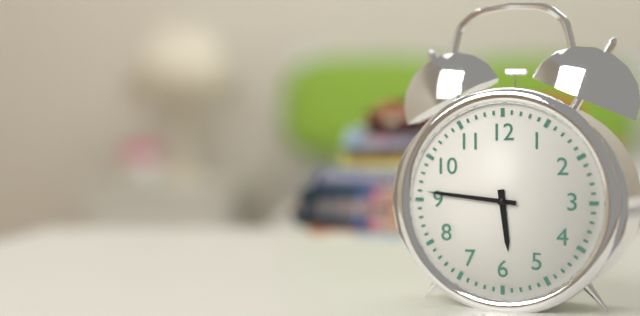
**5:46**
